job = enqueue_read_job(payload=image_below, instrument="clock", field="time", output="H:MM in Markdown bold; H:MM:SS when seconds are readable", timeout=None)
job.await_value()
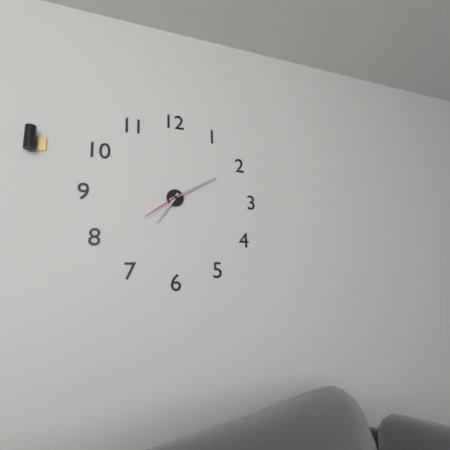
**7:10**
